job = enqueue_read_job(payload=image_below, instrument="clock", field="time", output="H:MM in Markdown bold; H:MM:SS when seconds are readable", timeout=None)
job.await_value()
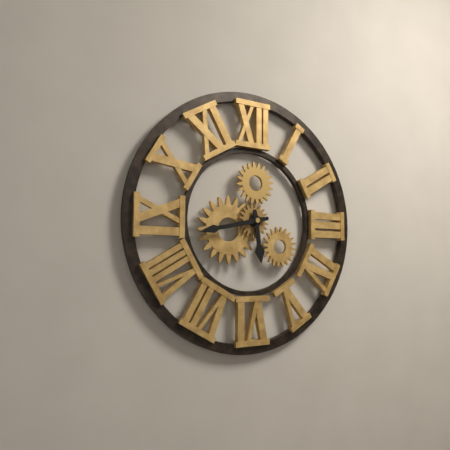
**5:43**
